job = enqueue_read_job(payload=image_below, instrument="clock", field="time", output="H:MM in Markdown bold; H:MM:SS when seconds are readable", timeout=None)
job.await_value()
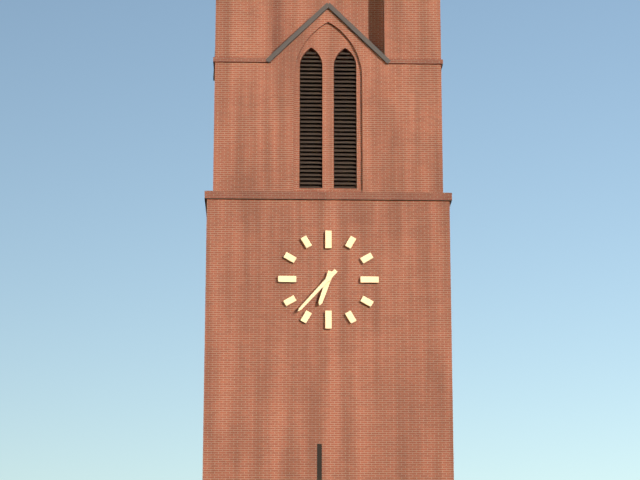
**6:37**
